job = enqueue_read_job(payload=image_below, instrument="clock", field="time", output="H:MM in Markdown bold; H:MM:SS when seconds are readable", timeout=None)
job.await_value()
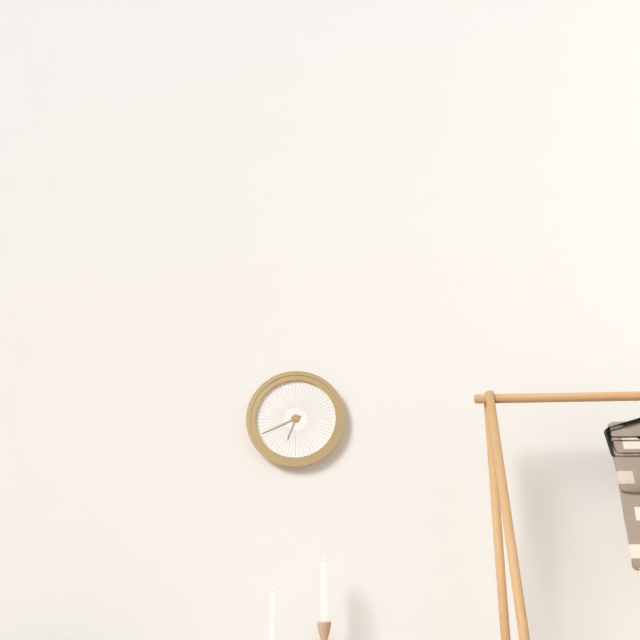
**6:41**
